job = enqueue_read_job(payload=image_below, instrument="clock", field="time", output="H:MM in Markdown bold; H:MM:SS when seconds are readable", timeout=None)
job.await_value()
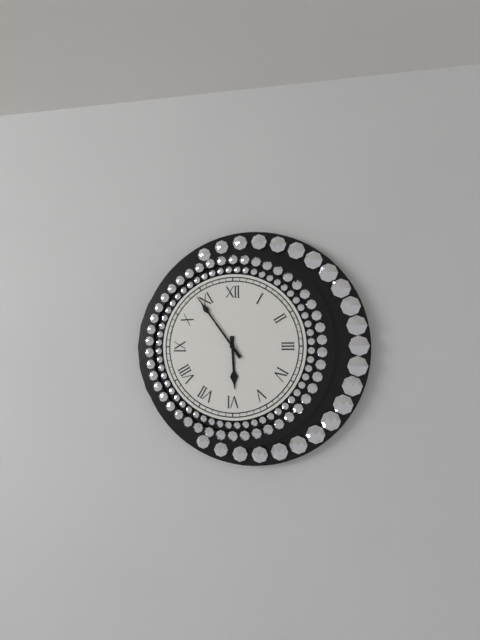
**5:54**
